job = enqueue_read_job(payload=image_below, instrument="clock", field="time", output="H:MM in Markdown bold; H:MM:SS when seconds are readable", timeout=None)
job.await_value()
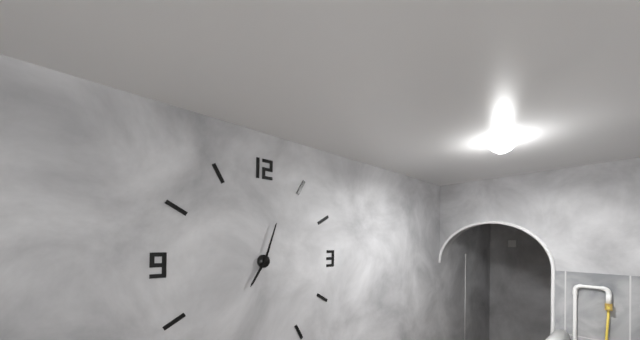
**7:03**
